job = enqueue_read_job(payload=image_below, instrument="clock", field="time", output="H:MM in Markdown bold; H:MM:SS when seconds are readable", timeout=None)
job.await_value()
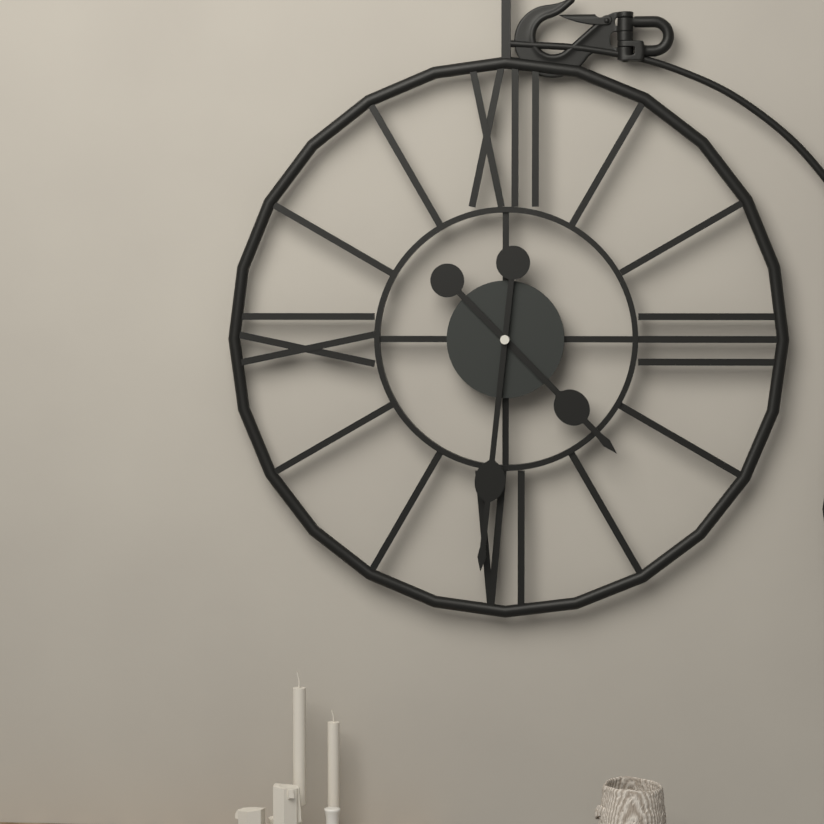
**4:31**
